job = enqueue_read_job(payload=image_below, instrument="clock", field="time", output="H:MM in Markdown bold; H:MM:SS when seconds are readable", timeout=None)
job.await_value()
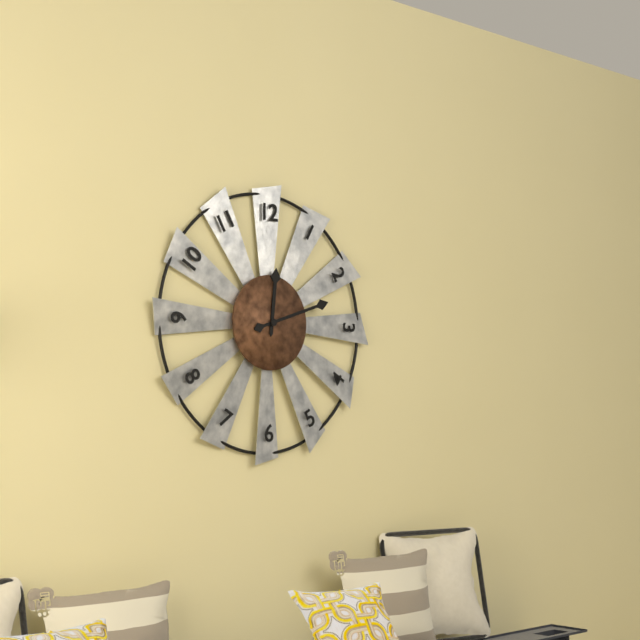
**12:12**
